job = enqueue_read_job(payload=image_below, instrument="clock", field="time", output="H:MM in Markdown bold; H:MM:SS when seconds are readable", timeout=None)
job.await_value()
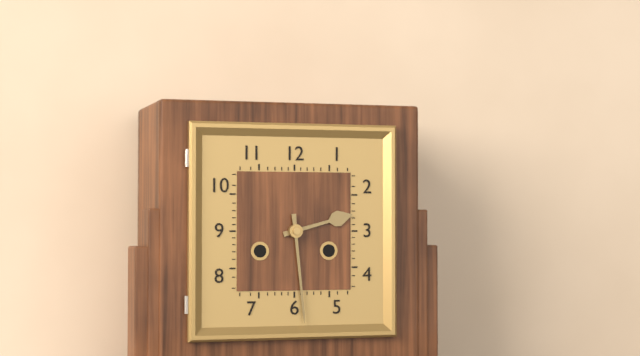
**2:29**
